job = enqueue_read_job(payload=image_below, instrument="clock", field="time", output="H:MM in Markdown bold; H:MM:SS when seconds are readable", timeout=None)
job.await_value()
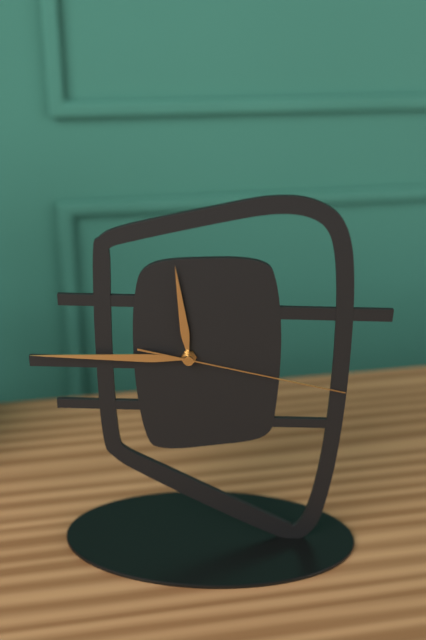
**11:45:17**
